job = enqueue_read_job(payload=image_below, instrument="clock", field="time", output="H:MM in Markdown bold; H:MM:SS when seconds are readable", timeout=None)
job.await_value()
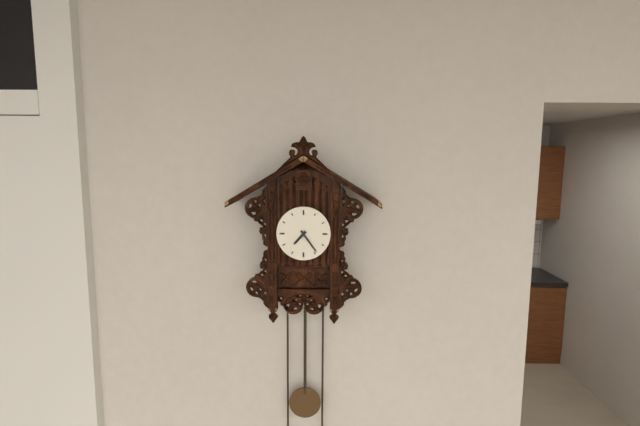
**7:24**
